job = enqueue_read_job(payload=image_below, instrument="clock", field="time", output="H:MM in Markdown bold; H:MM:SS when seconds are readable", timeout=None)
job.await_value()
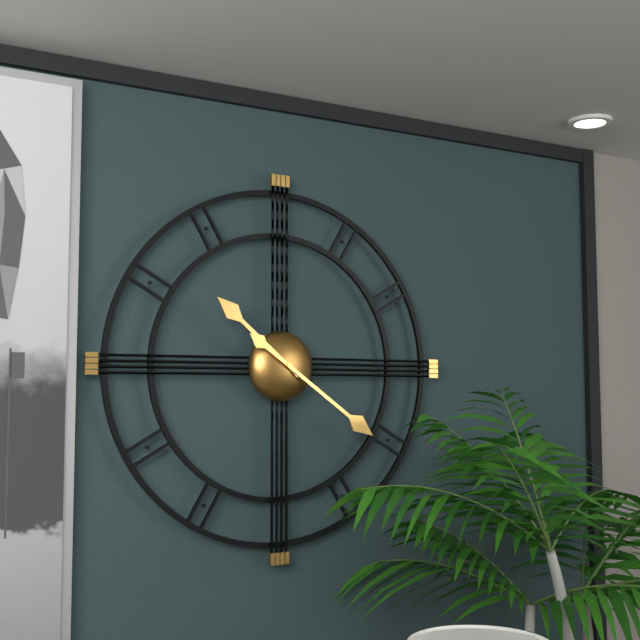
**10:21**
